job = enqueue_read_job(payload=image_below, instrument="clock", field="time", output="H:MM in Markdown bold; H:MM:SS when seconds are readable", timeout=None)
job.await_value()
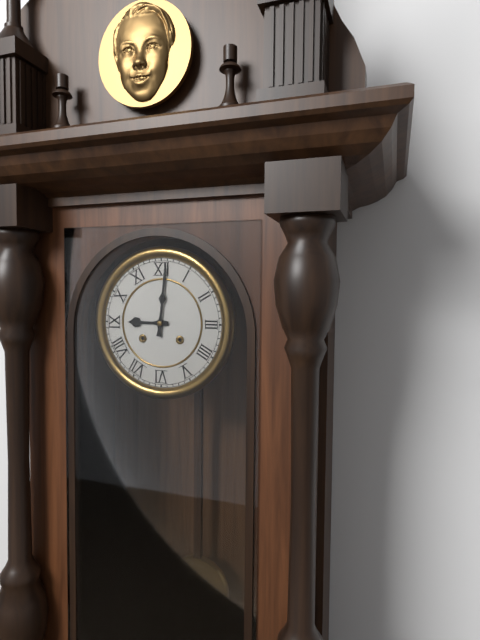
**9:01**
